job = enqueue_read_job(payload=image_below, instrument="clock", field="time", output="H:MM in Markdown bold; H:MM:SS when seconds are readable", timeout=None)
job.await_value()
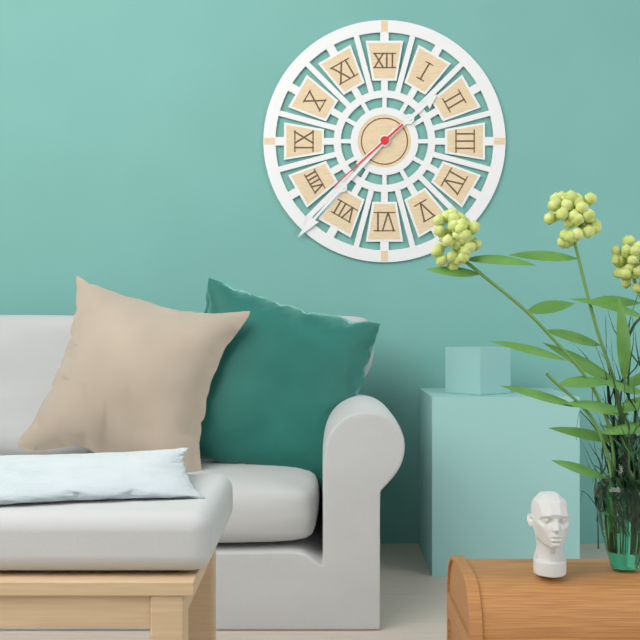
**1:37:38**
